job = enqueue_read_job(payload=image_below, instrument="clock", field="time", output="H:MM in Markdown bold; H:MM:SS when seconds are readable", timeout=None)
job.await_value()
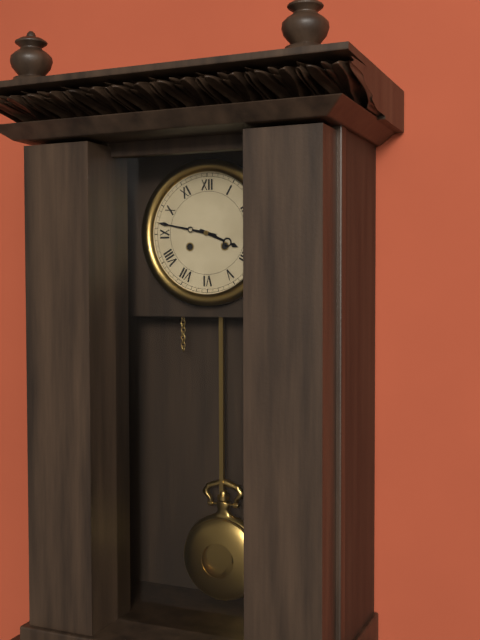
**3:47**
